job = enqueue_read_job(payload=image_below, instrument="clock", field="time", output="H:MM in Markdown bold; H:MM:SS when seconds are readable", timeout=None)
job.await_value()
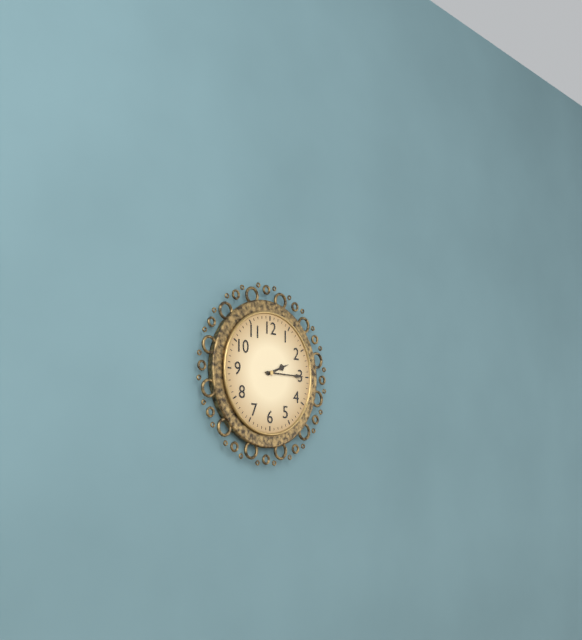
**2:15**
